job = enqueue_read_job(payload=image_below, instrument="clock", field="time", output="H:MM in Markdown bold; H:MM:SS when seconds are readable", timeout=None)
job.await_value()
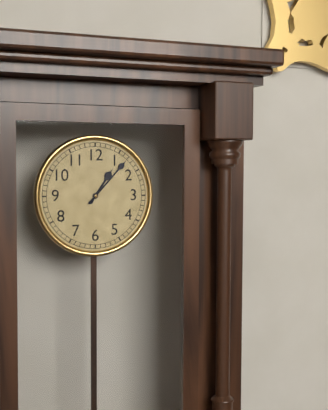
**1:07**
